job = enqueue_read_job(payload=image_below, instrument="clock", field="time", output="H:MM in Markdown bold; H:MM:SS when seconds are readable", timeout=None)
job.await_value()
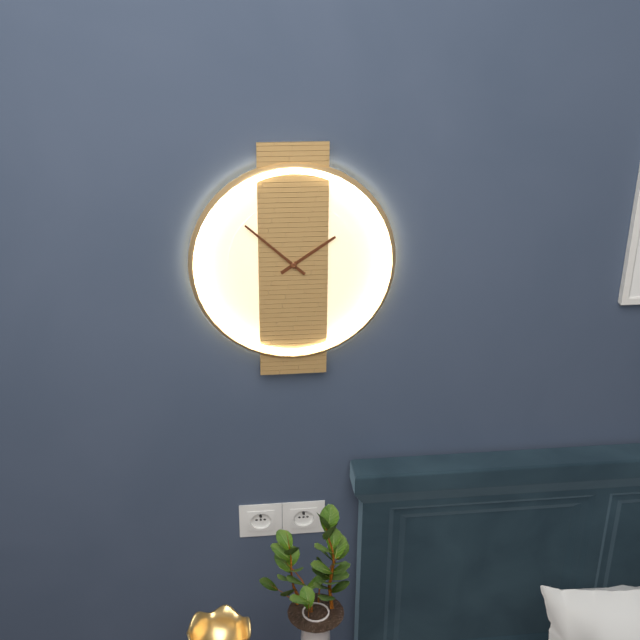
**1:52**
